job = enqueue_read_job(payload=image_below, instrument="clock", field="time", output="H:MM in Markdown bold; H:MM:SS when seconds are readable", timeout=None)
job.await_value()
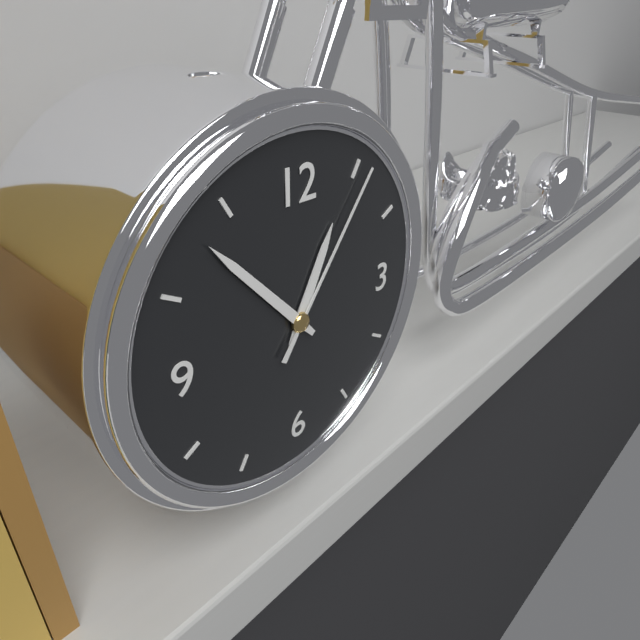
**12:53:06**
